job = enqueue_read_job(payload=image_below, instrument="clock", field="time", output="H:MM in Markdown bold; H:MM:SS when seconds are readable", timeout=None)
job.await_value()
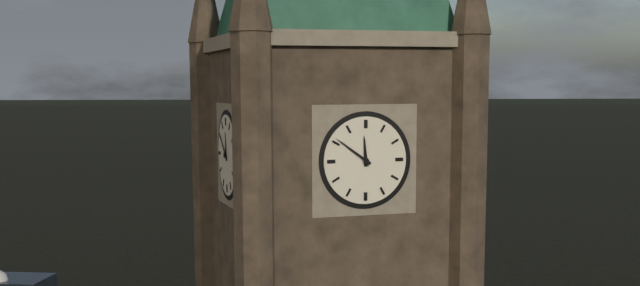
**11:51**
